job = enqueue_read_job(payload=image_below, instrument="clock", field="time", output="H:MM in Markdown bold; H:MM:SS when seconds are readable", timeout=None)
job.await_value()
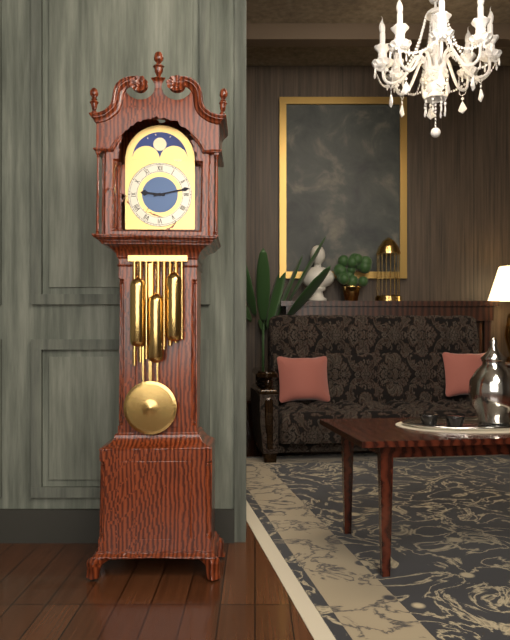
**9:13**
